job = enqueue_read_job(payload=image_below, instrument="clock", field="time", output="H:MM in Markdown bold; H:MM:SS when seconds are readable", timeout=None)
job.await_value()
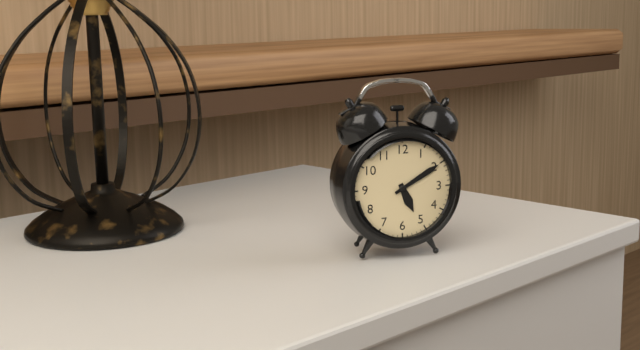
**5:10**
